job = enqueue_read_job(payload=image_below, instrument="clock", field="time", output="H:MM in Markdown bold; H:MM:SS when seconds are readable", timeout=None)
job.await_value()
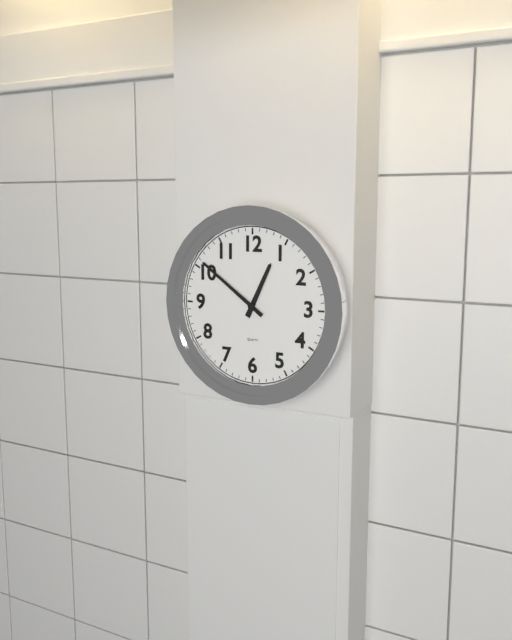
**12:51**
